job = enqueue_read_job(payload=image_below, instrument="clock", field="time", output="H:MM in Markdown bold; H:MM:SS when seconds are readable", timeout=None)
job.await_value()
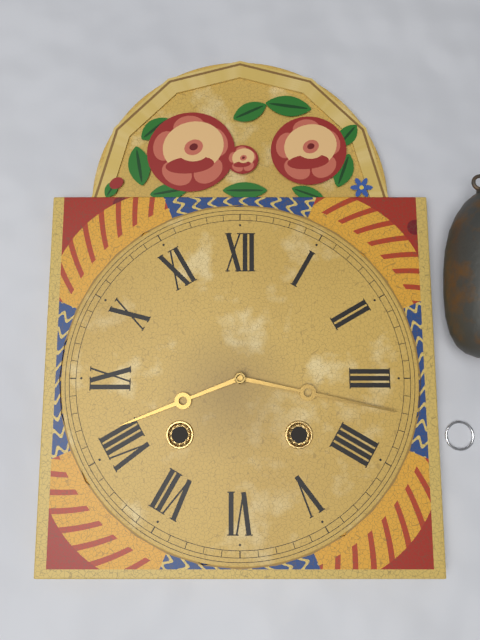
**8:17**
